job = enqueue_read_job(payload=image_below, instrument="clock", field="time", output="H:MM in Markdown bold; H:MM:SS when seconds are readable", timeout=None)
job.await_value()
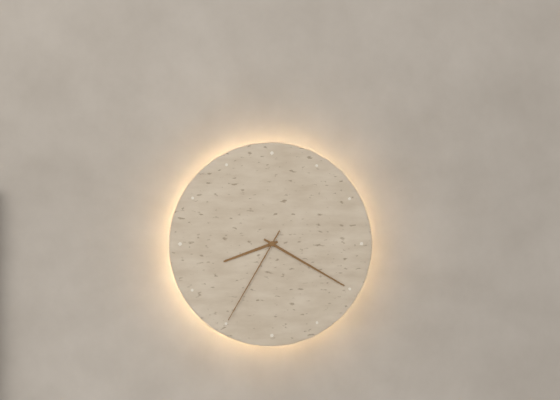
**8:20:35**
